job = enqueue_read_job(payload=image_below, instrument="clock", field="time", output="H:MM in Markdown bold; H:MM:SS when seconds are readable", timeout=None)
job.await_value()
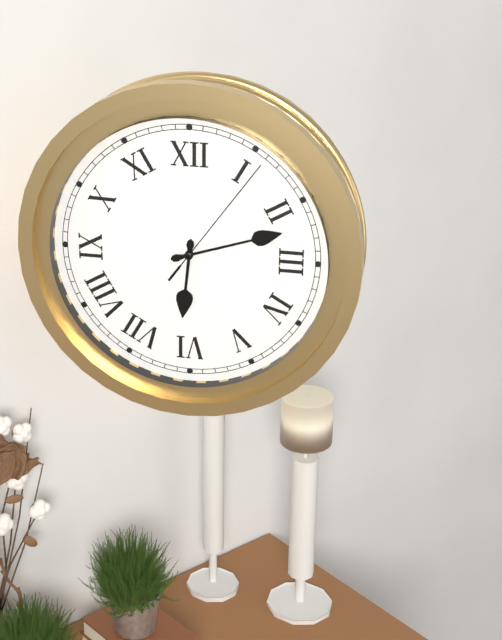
**6:12:06**
